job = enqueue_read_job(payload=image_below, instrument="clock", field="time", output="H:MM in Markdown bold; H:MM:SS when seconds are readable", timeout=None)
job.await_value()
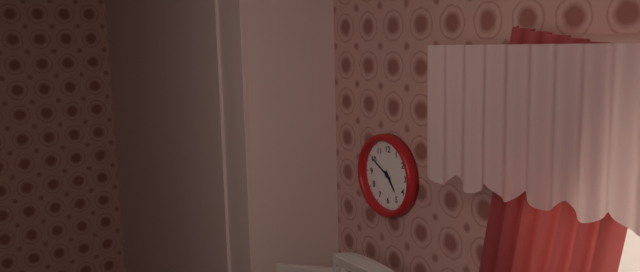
**4:50**
